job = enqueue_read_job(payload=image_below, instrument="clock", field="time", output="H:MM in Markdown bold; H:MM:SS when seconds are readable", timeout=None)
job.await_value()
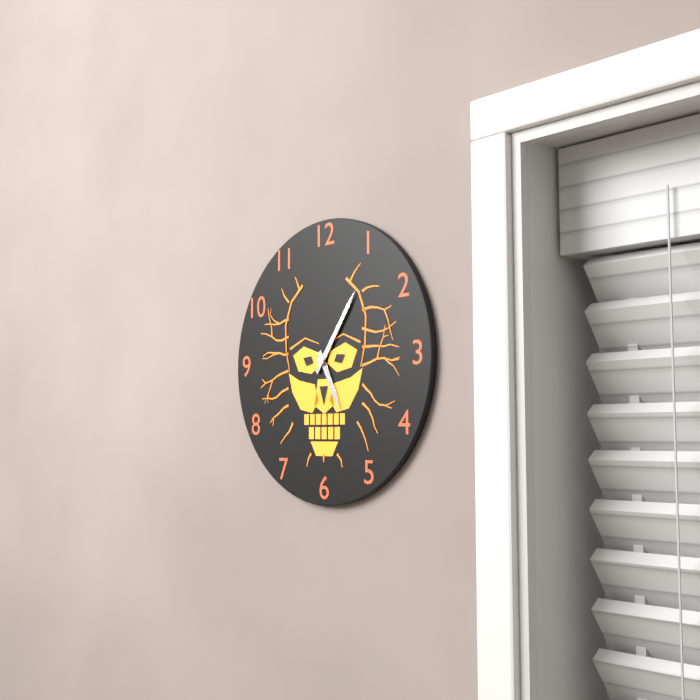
**5:06**
